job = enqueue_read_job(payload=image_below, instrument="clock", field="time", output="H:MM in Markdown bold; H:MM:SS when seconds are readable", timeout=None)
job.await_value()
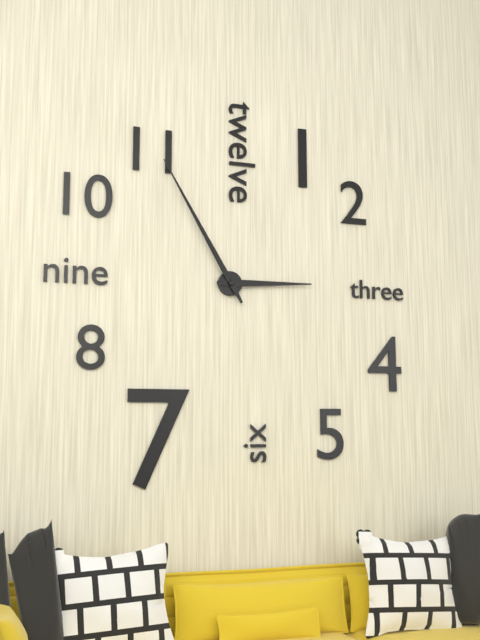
**2:55**
